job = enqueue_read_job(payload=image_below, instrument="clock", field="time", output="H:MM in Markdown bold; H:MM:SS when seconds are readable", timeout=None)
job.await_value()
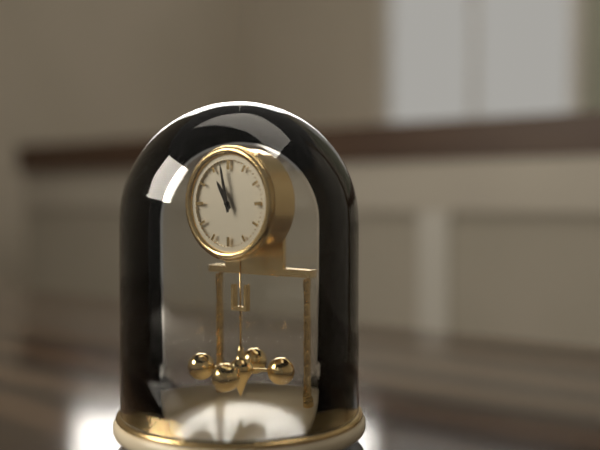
**10:58**
